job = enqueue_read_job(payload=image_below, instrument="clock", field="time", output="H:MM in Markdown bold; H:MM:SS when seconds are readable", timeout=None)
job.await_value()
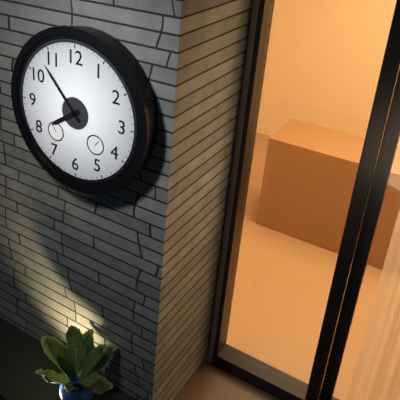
**7:53**
